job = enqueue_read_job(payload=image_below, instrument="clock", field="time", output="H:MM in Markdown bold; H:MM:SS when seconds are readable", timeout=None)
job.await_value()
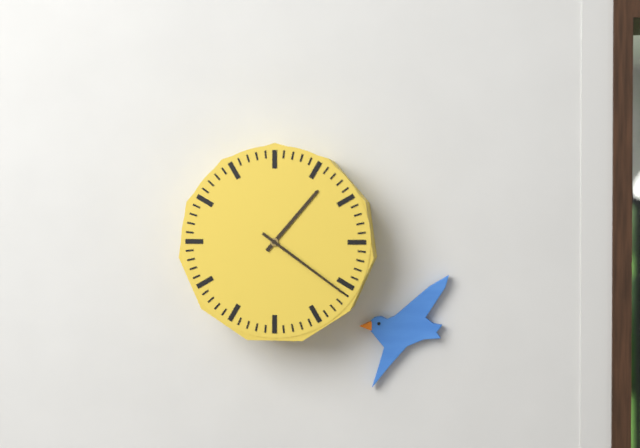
**1:21**
